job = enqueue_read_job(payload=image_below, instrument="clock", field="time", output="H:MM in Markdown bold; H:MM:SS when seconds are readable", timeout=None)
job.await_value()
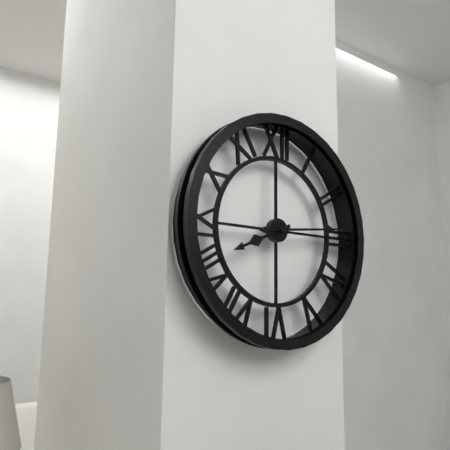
**8:14**
